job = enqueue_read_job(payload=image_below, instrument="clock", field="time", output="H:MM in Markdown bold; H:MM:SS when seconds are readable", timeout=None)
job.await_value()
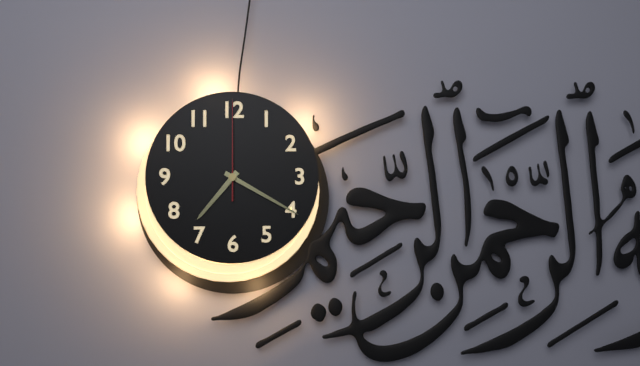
**7:20:00**
